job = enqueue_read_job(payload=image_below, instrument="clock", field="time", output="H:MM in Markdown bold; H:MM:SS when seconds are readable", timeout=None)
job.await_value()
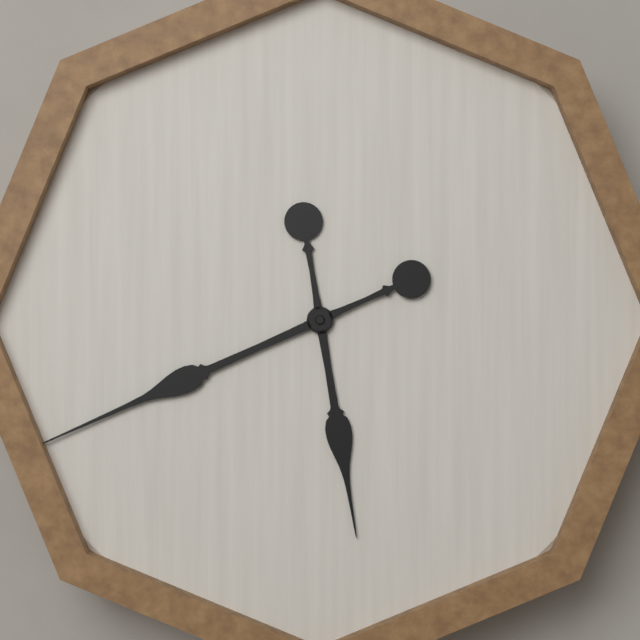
**5:41**
